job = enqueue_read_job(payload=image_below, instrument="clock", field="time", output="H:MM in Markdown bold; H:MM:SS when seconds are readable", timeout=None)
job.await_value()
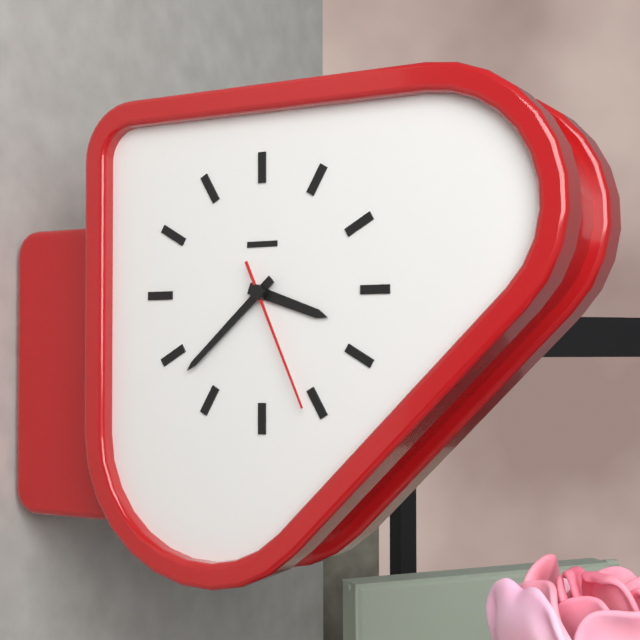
**3:38:26**
